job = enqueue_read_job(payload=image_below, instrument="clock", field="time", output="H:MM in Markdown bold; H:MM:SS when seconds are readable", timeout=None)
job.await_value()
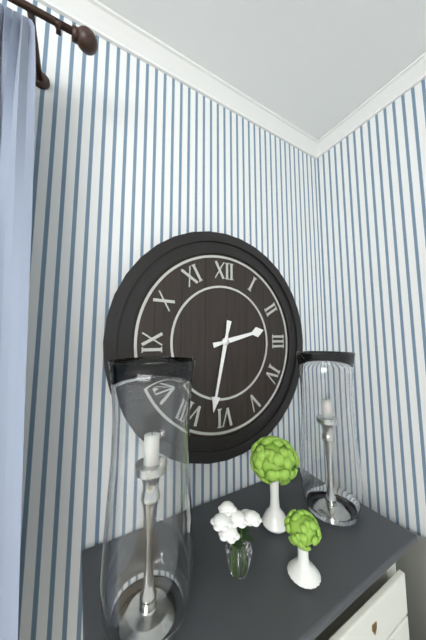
**2:32**
